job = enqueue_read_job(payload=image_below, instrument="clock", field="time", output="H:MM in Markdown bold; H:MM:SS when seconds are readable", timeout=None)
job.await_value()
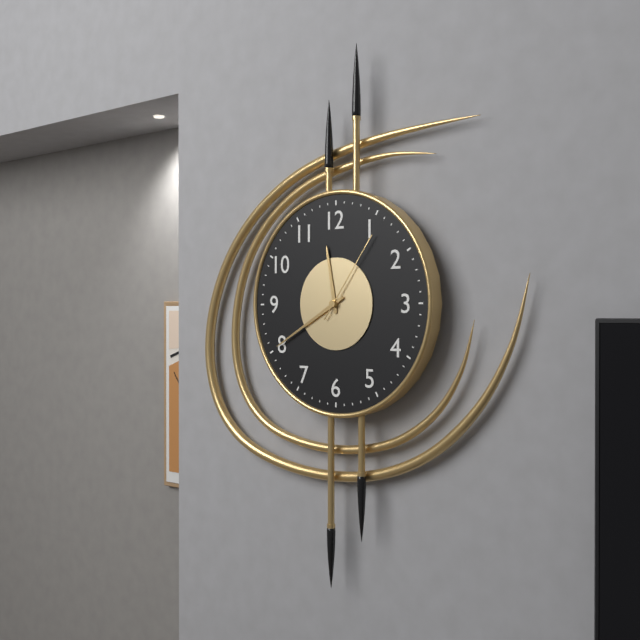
**11:40:06**
